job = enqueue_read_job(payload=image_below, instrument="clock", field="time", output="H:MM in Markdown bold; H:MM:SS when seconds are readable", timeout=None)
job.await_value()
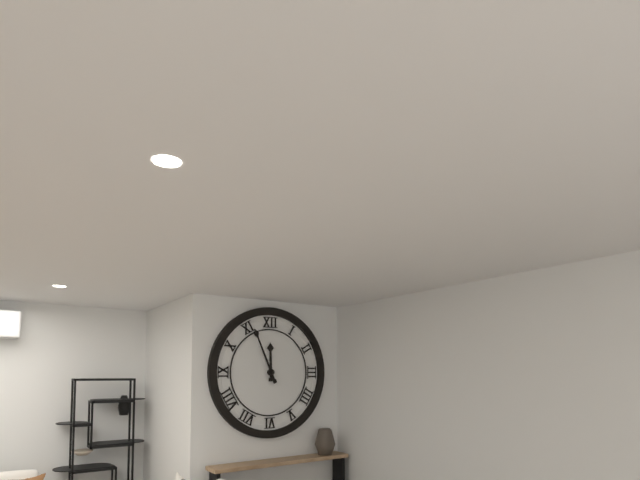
**11:56**
